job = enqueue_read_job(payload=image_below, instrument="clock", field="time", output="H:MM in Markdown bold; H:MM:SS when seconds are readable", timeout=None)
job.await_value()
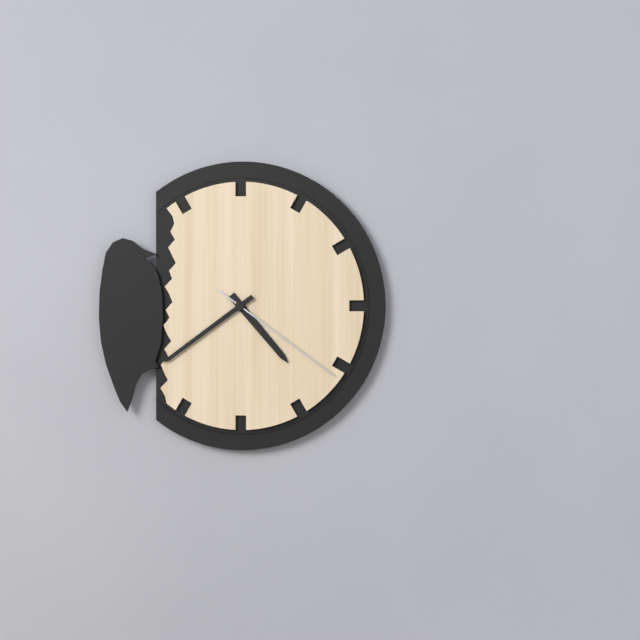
**4:39:21**
